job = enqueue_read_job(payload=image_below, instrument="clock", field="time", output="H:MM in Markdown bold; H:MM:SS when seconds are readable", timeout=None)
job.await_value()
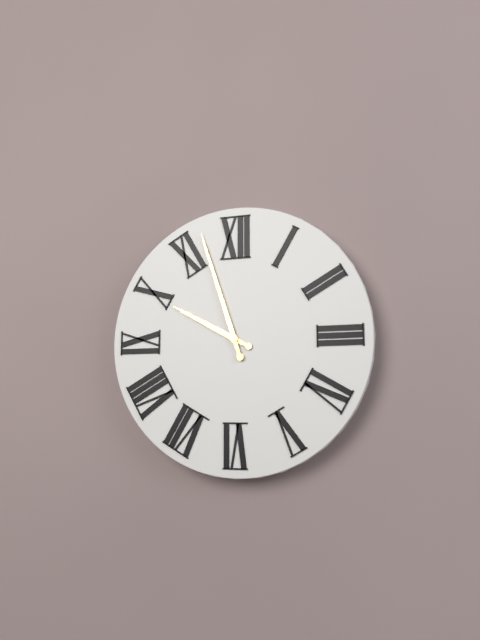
**9:57**
